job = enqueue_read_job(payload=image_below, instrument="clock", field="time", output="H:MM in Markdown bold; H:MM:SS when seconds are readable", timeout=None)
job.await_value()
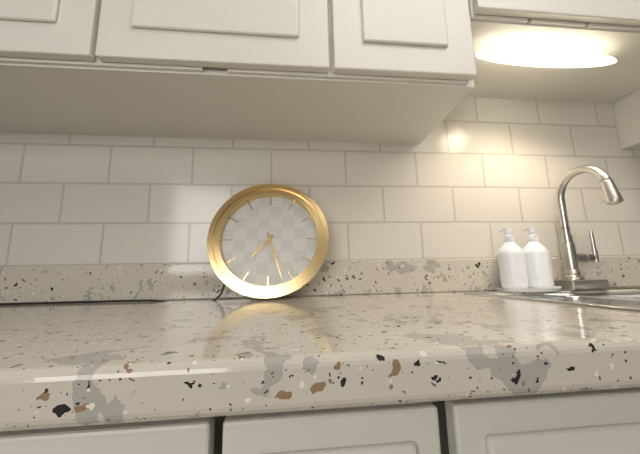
**7:27**
